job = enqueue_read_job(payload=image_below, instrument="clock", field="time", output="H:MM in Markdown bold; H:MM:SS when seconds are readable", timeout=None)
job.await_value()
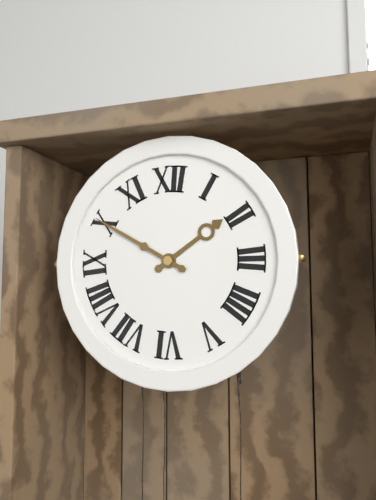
**1:50**
